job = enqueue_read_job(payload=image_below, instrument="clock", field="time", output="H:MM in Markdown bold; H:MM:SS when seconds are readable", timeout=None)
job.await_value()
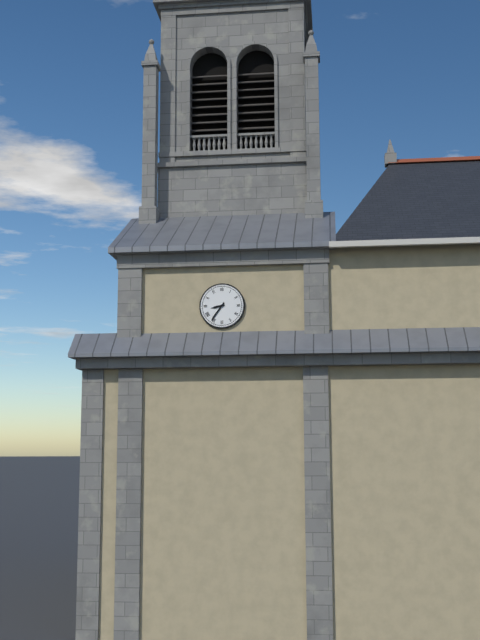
**8:36**
